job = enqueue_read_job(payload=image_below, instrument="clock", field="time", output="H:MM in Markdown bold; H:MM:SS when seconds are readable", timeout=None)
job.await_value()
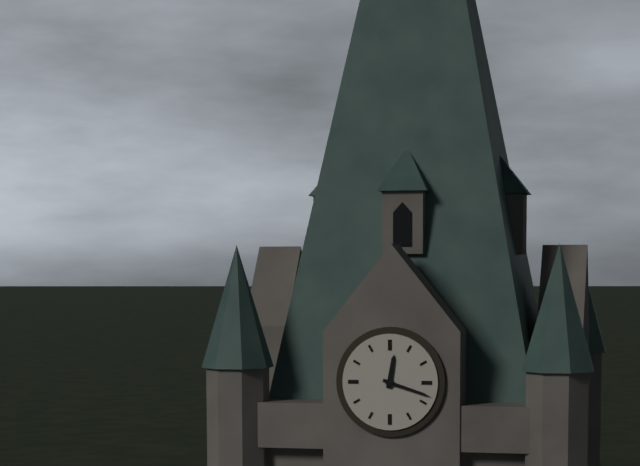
**12:18**
